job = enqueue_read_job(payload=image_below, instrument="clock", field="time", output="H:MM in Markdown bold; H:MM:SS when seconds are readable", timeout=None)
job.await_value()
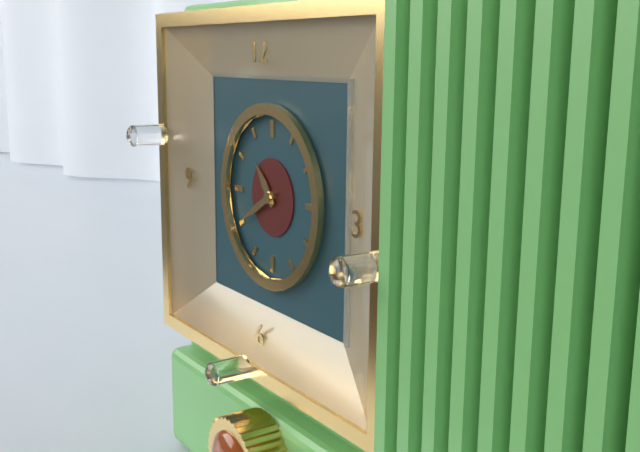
**10:40**
